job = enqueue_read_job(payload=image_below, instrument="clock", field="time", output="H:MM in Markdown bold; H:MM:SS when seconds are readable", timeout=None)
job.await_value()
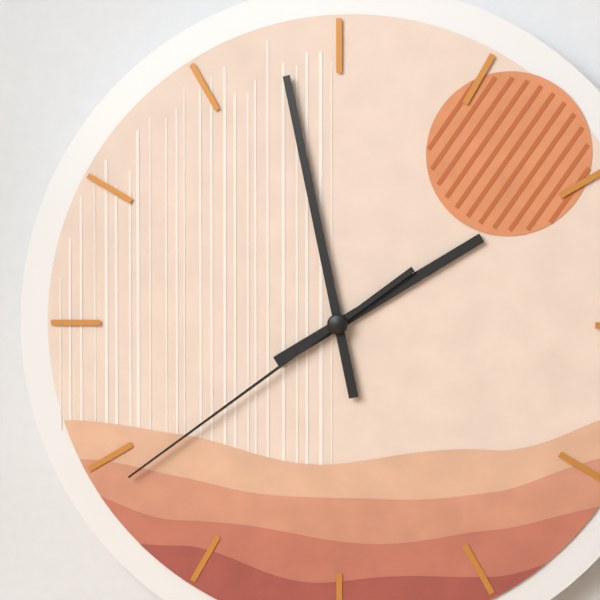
**1:58:39**
